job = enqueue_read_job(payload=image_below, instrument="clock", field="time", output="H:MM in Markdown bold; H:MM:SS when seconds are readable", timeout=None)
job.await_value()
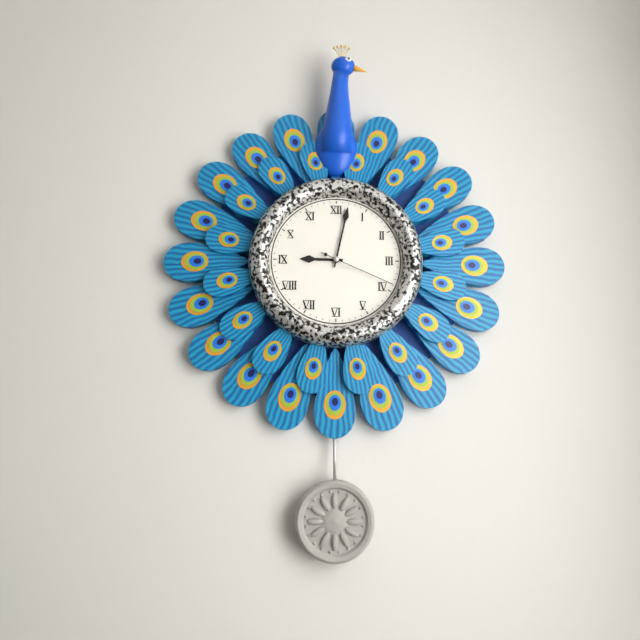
**9:02:19**
